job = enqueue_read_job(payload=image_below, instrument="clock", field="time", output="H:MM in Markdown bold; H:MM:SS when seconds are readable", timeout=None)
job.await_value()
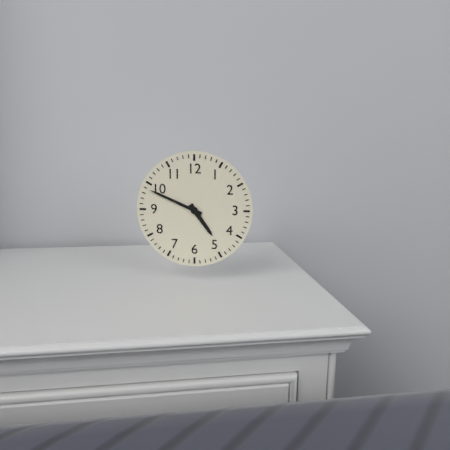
**4:49**
